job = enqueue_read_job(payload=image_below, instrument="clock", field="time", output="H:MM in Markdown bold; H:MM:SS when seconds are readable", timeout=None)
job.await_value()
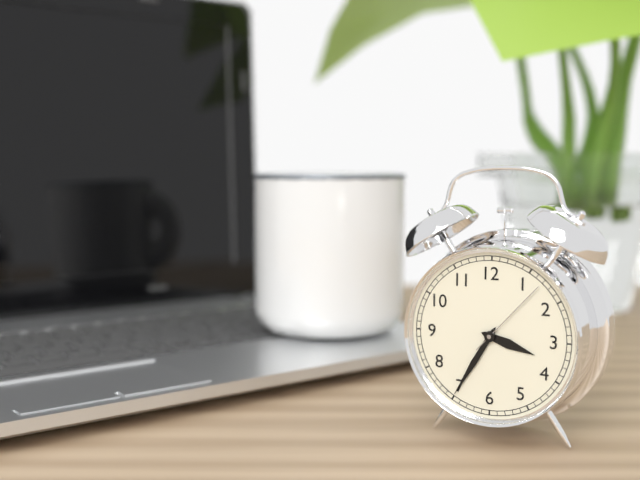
**3:35:07**
